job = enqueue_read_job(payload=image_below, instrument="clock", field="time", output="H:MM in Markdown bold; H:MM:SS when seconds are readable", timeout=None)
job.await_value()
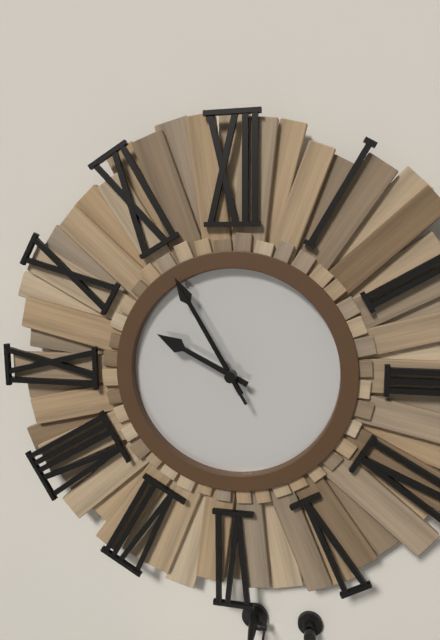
**9:55:55**
